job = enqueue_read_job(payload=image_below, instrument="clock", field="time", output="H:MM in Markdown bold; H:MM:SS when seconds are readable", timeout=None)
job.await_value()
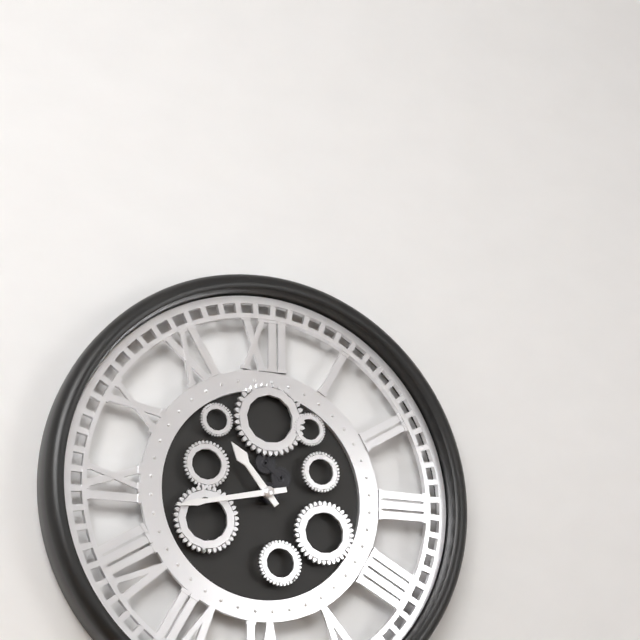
**10:43**
